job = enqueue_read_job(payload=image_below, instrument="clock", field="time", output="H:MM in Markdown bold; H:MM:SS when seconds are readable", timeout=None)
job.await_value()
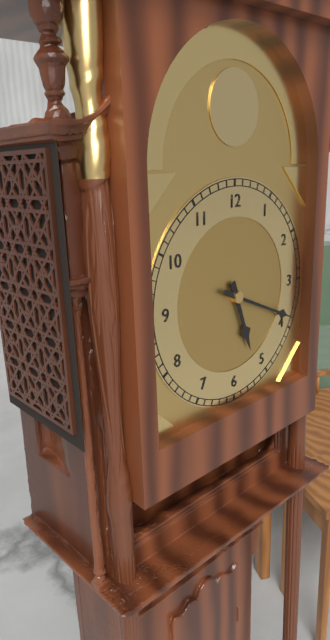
**5:19**
